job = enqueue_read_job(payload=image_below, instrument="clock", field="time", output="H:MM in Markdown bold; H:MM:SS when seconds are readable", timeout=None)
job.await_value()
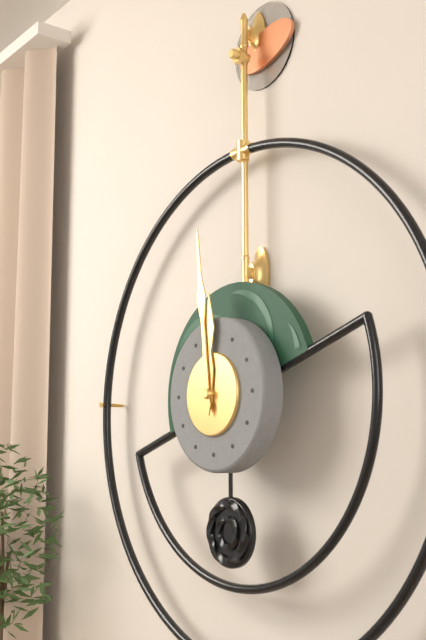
**11:59**
